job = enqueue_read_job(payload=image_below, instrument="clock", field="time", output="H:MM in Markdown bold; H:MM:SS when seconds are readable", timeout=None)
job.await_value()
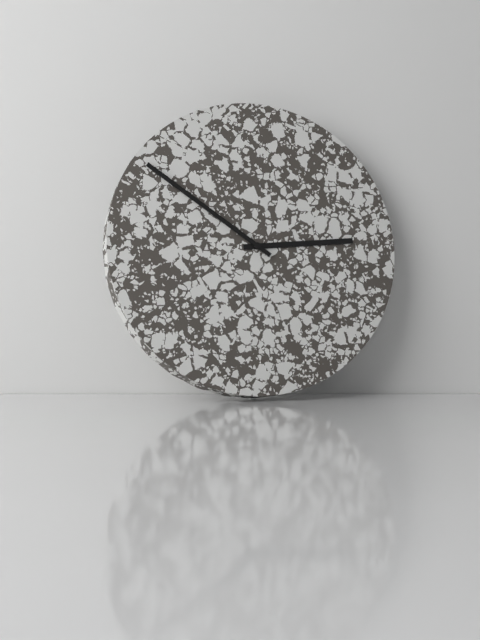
**2:51**
